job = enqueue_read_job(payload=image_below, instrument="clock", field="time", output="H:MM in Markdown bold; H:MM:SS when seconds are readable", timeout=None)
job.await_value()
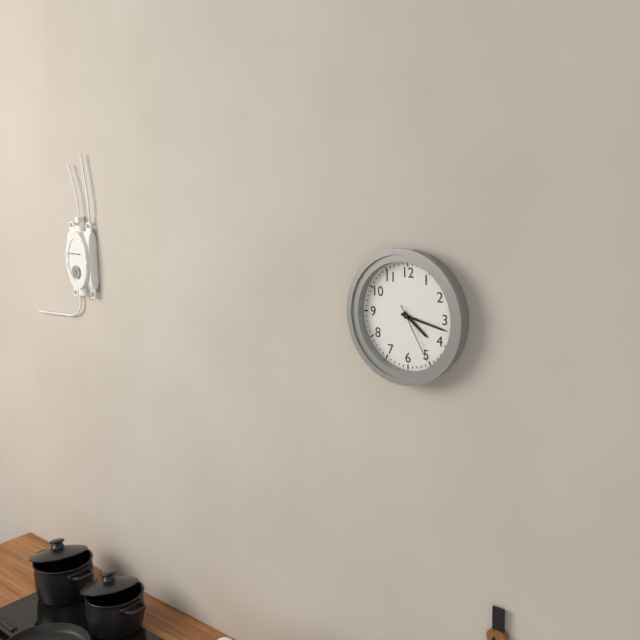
**4:17:25**
